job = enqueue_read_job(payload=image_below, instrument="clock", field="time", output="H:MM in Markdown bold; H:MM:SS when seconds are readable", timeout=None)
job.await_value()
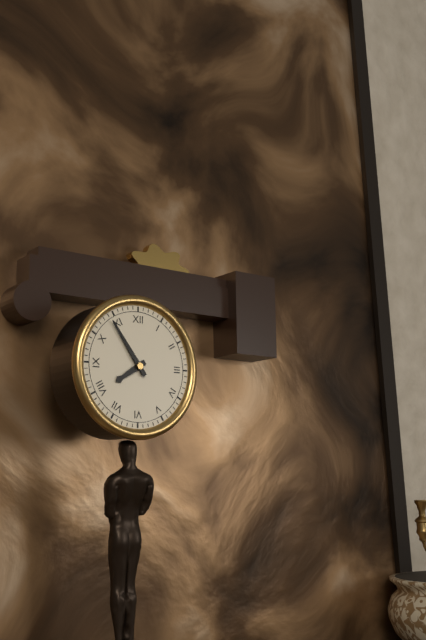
**7:54**
